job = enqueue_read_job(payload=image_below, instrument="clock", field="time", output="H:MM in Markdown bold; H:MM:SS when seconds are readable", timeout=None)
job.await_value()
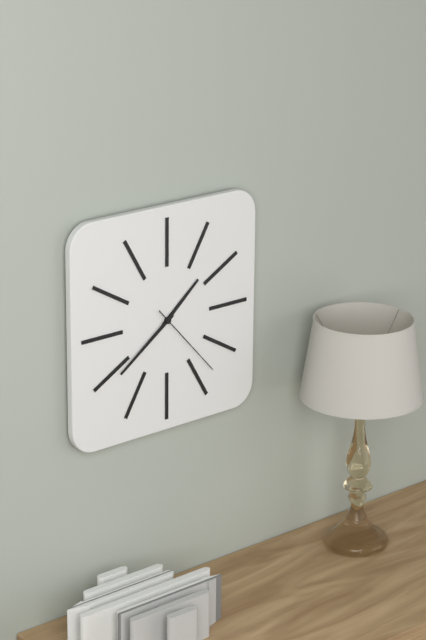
**1:39:23**
